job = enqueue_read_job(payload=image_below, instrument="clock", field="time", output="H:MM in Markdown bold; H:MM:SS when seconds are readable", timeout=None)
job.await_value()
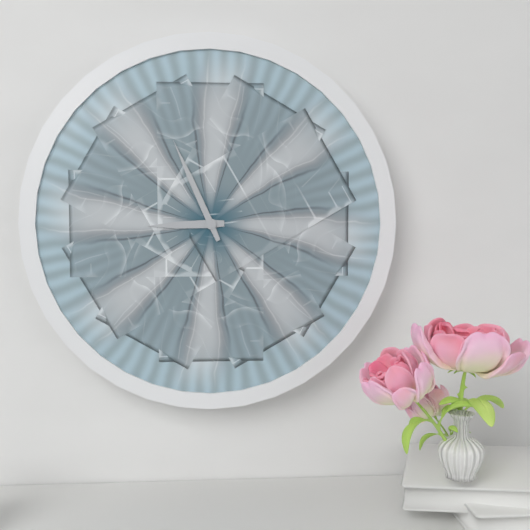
**8:56**
